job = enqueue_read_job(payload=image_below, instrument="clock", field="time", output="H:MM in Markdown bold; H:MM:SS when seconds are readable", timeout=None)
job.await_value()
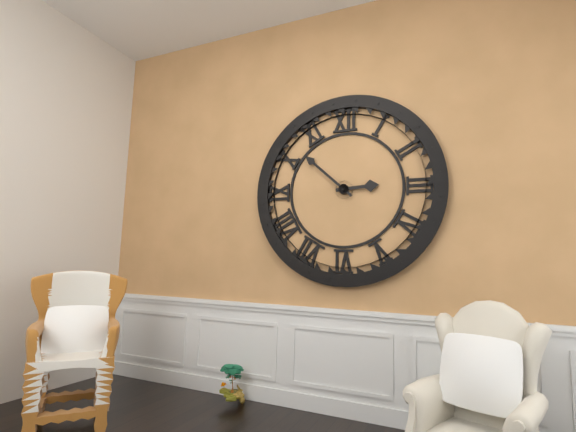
**2:52**
